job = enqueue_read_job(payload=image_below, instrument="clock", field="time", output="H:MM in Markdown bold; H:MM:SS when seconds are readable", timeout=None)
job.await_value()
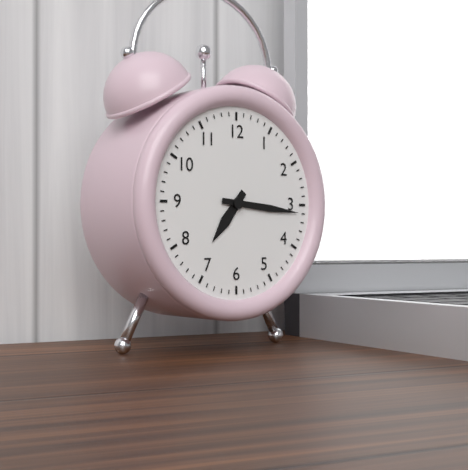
**7:16**
